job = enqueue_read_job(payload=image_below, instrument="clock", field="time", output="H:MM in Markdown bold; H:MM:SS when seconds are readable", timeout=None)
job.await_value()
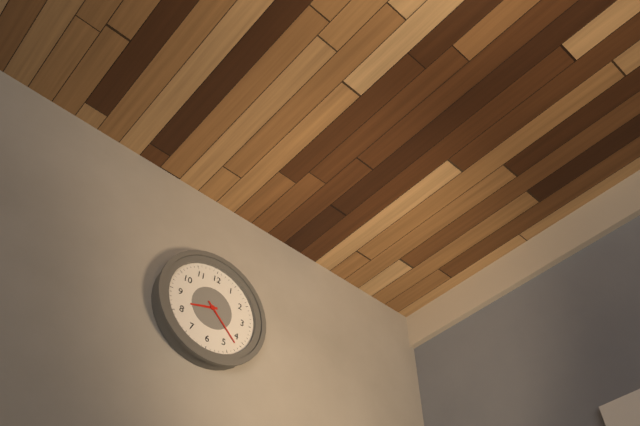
**8:22**
